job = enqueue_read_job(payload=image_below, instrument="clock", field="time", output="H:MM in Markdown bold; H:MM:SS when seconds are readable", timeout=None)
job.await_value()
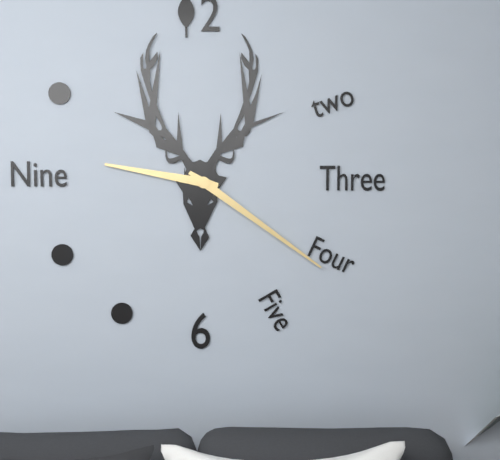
**9:21**
